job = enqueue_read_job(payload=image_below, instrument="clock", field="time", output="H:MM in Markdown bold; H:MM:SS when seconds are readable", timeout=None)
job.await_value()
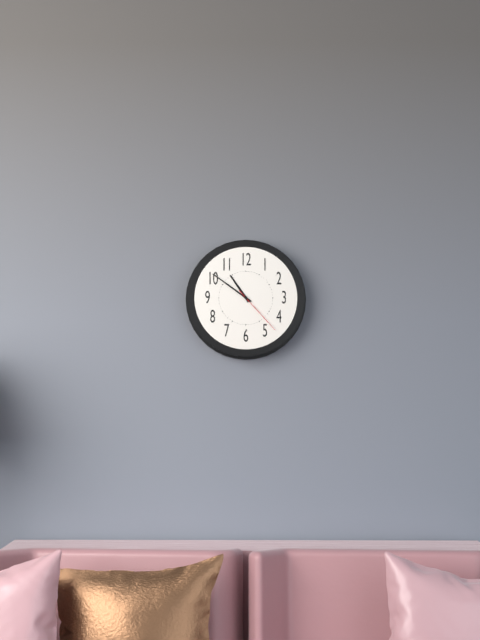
**10:51:23**
